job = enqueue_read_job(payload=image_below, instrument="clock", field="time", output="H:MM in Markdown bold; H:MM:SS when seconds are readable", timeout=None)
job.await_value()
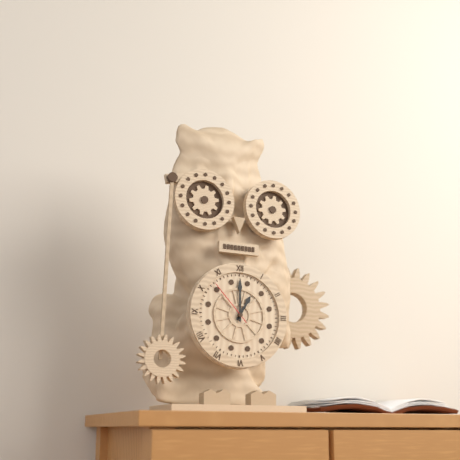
**1:00:53**
